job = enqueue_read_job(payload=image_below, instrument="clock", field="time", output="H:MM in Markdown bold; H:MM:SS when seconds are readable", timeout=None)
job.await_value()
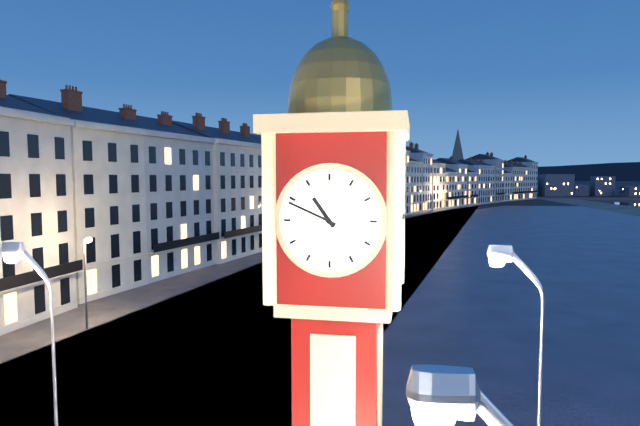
**10:49**
